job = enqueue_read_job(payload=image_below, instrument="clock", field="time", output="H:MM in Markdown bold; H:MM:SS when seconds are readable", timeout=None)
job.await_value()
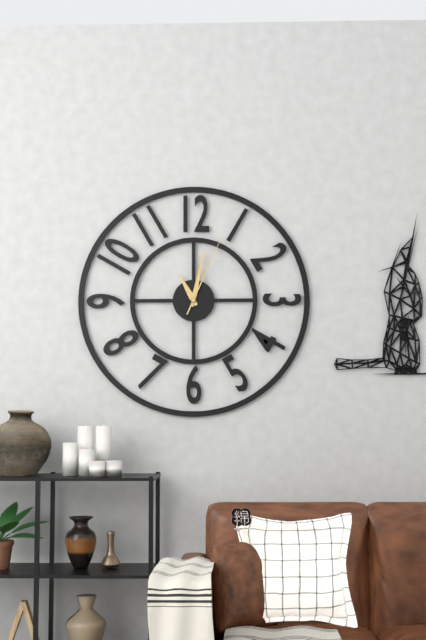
**11:02:04**
